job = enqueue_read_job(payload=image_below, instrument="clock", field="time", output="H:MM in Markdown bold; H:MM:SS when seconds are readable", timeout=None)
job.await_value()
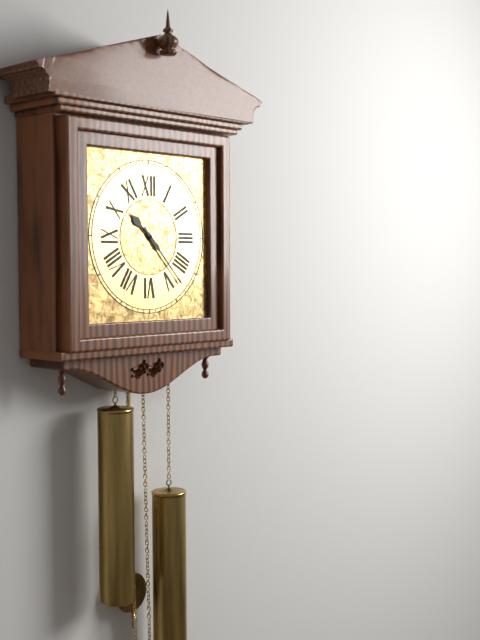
**10:23**
